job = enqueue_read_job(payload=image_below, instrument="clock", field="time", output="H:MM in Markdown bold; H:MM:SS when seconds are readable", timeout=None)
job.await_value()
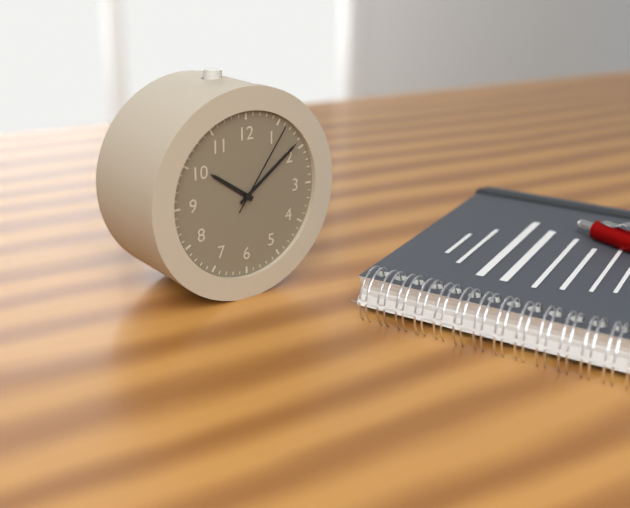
**10:09:06**
